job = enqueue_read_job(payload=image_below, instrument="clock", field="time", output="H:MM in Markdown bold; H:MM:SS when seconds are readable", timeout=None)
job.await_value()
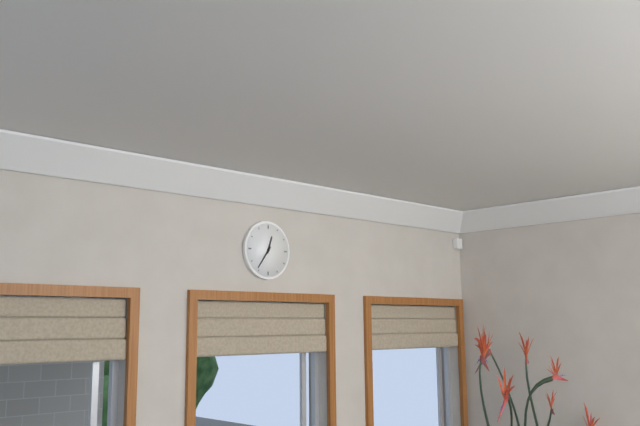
**12:36**
